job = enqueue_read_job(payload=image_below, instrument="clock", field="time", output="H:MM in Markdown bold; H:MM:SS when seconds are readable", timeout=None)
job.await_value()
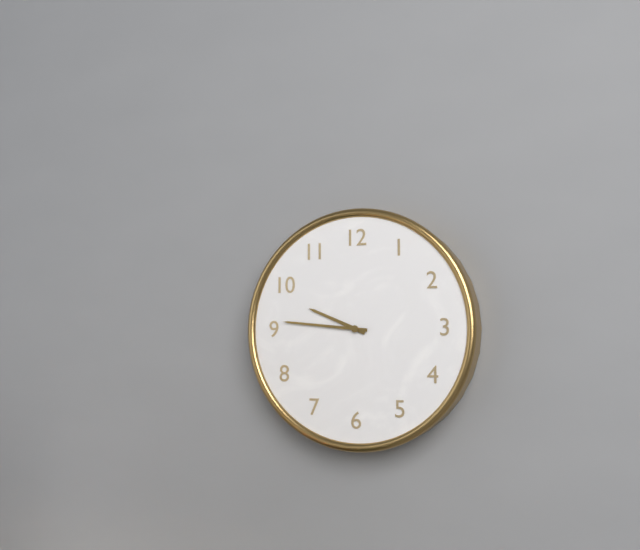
**9:46**
